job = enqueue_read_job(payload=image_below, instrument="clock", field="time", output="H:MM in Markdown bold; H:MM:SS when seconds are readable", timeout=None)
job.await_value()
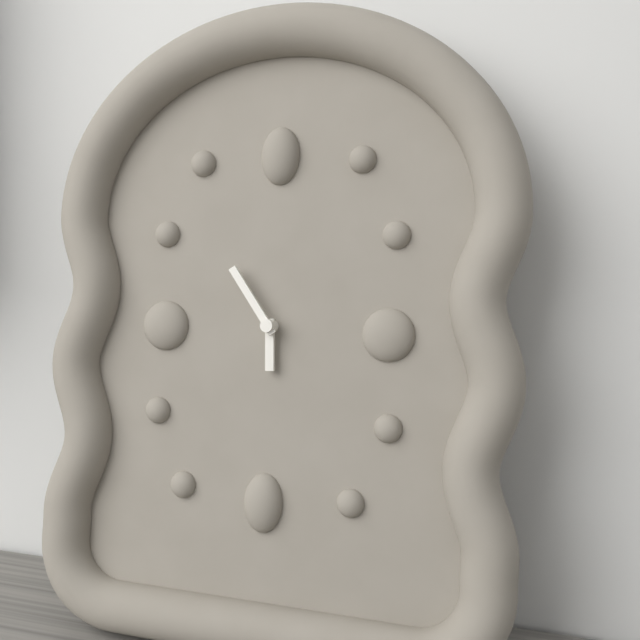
**5:54**
